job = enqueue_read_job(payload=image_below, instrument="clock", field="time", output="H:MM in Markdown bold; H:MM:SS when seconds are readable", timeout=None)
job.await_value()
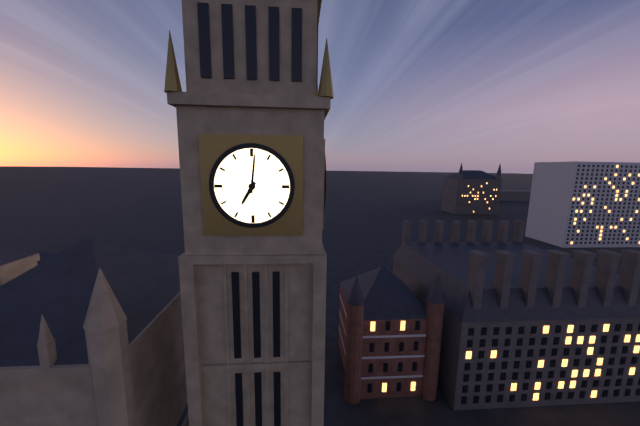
**7:01**
